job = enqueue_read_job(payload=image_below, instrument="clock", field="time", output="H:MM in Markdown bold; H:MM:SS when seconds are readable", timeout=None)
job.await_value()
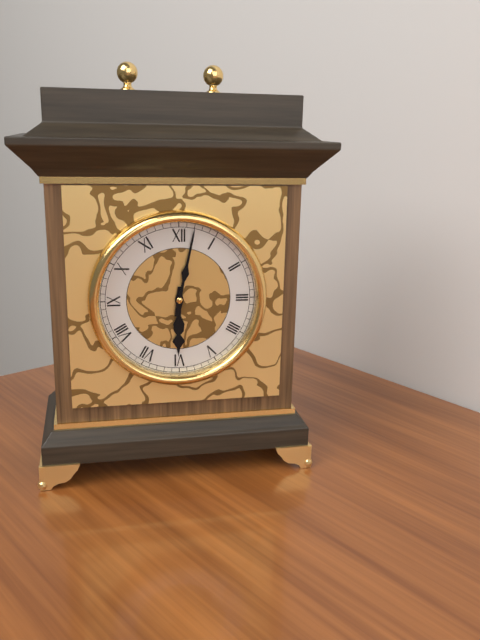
**6:02**
